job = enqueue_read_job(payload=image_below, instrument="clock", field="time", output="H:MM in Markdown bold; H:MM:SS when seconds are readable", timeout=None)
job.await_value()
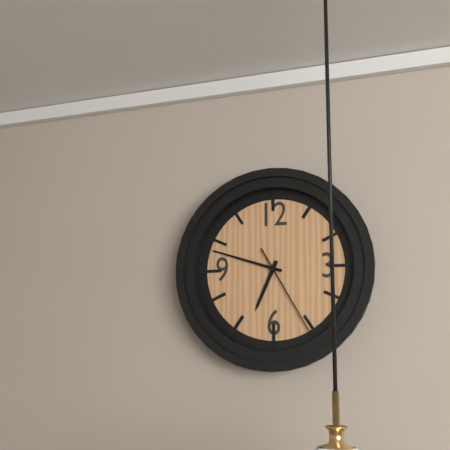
**6:48:25**
